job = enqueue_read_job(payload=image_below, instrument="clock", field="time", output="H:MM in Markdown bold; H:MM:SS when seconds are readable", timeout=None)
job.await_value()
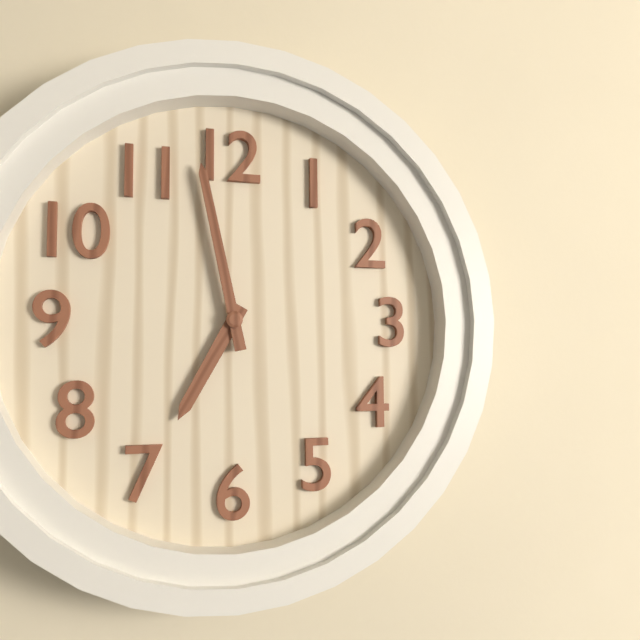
**6:58**
